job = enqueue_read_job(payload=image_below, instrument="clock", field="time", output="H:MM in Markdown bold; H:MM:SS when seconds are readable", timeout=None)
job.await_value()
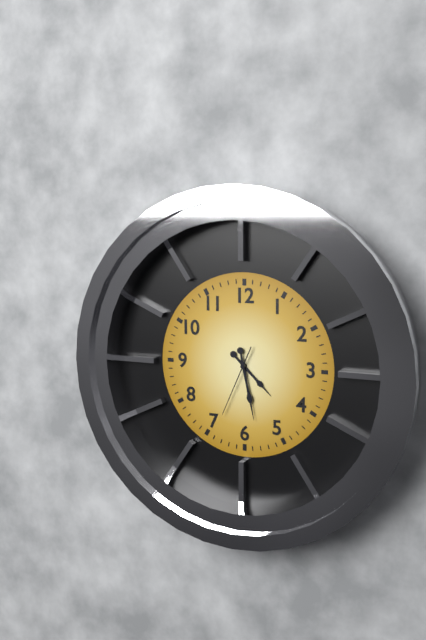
**4:28:34**
